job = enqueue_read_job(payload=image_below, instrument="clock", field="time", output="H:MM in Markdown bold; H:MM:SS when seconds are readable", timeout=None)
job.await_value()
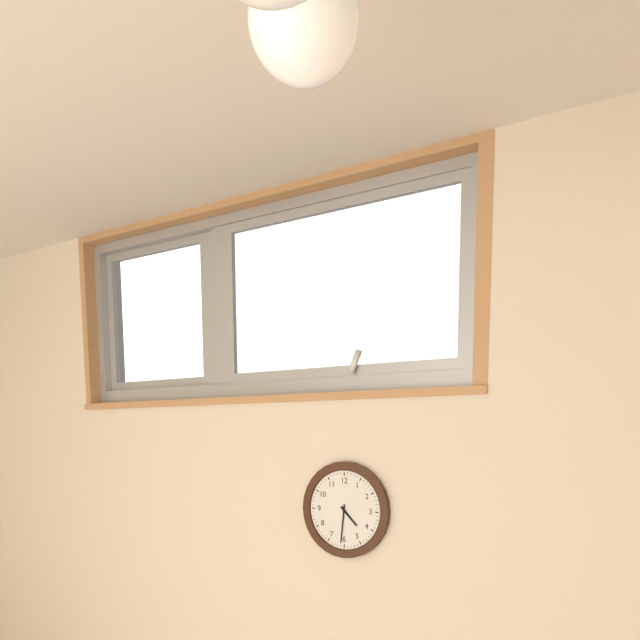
**4:31**
